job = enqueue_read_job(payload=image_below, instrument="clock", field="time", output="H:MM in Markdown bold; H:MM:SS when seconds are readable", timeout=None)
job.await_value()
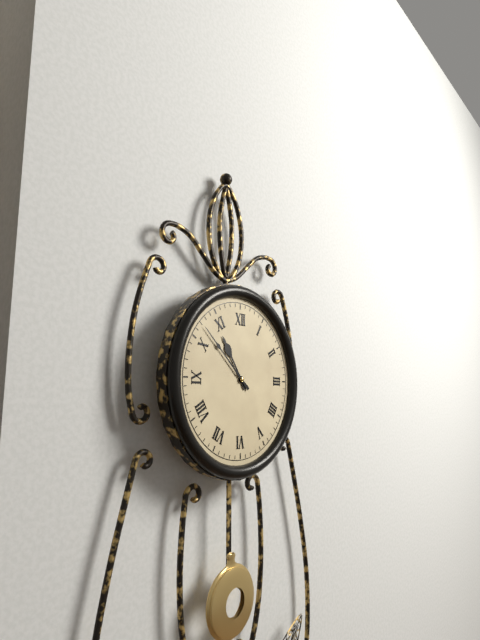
**10:52**
